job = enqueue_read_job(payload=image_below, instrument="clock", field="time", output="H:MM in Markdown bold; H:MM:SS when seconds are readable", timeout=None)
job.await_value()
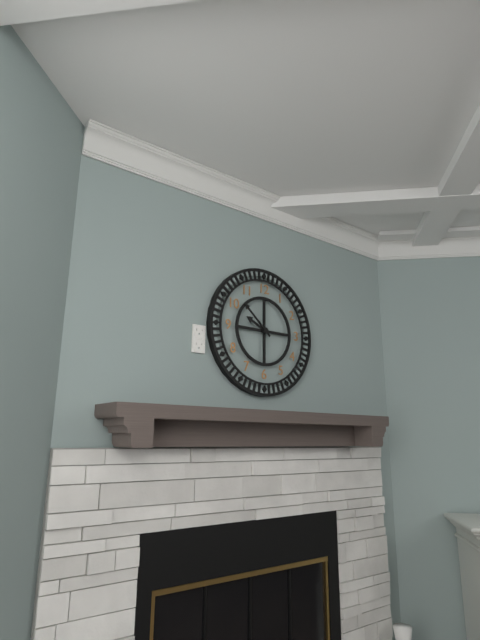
**9:52**
